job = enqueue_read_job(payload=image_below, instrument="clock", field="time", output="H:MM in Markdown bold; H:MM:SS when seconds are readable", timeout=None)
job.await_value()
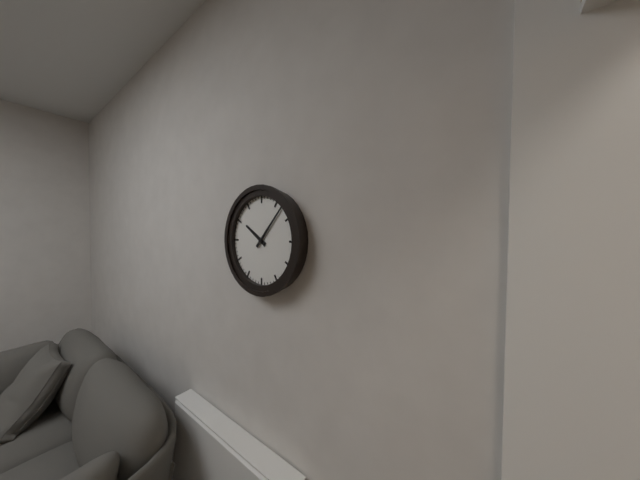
**10:07**
